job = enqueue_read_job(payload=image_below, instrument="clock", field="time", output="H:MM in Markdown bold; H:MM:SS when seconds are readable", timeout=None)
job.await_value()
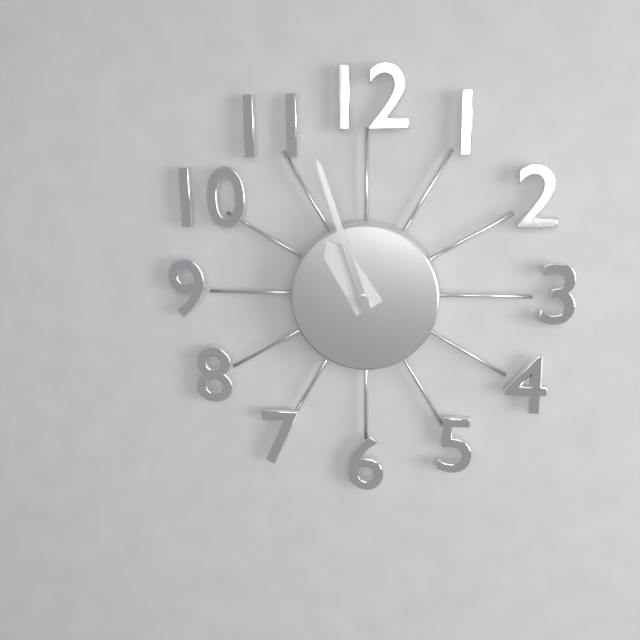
**10:57**
